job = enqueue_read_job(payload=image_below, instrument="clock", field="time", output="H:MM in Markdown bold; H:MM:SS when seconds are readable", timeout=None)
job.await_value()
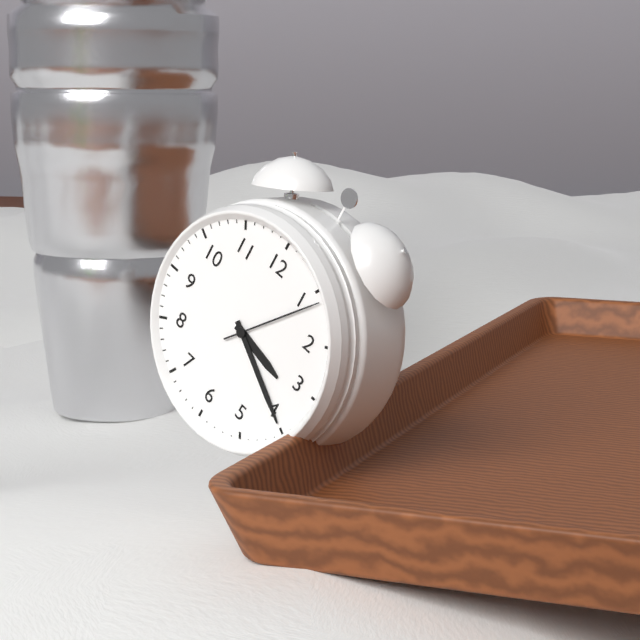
**3:20:06**
